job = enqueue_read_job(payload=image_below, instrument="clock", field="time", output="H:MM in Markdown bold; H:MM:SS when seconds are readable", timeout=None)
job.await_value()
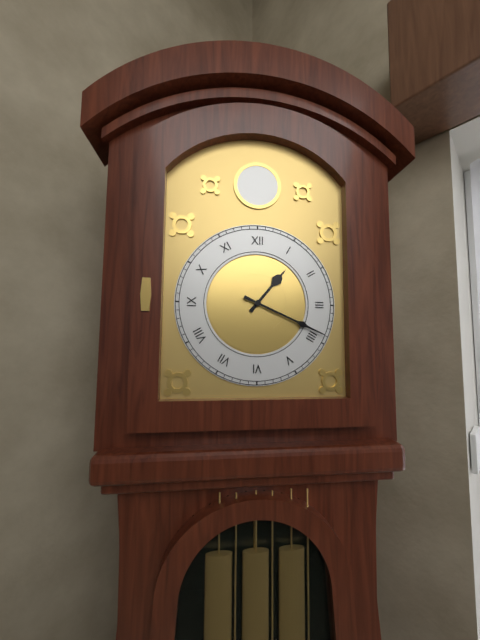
**1:19**
